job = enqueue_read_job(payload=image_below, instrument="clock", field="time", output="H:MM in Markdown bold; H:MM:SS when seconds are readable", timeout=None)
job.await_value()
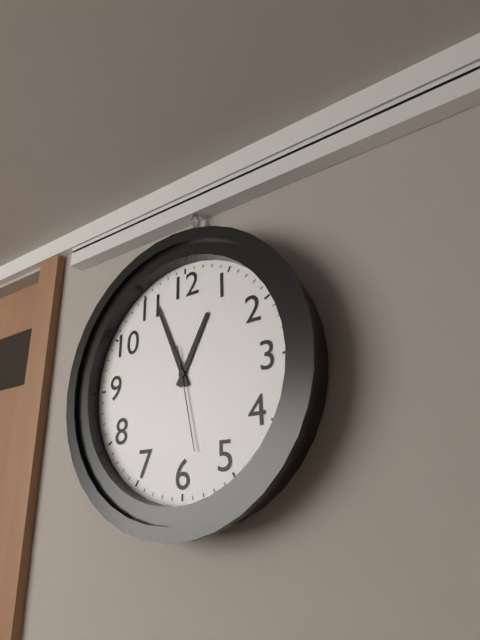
**12:56:28**
